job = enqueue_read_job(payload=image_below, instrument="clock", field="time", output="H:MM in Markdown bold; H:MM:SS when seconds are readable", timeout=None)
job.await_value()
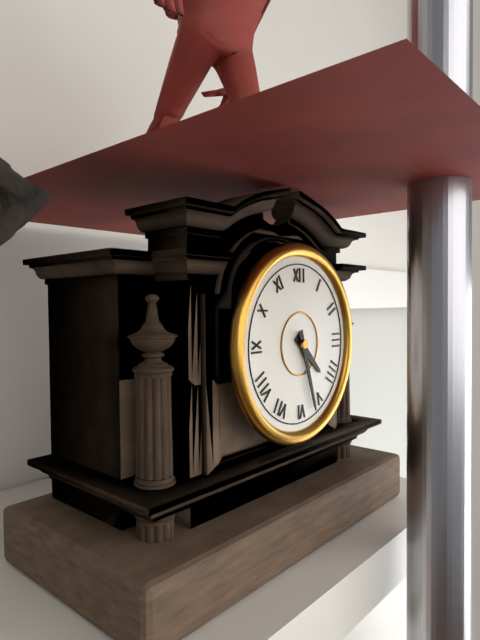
**4:27**
